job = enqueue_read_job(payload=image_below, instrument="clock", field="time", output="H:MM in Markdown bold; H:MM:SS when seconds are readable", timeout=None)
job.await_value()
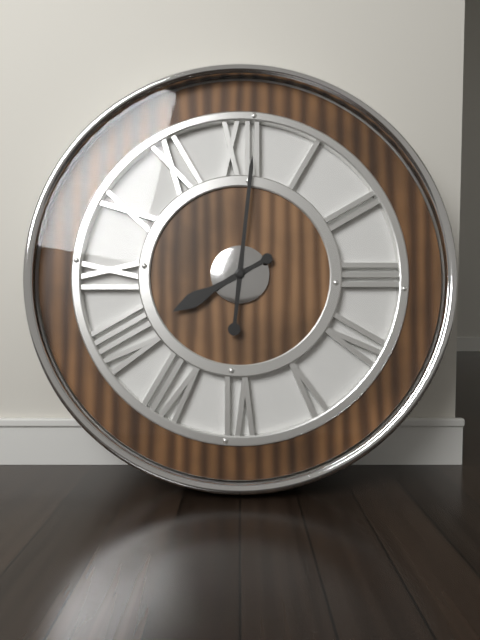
**8:01**
